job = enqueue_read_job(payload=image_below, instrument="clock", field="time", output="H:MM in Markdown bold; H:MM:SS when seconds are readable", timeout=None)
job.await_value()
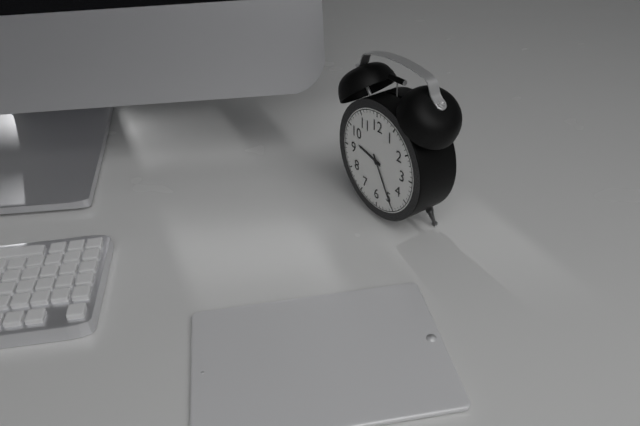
**9:25**
